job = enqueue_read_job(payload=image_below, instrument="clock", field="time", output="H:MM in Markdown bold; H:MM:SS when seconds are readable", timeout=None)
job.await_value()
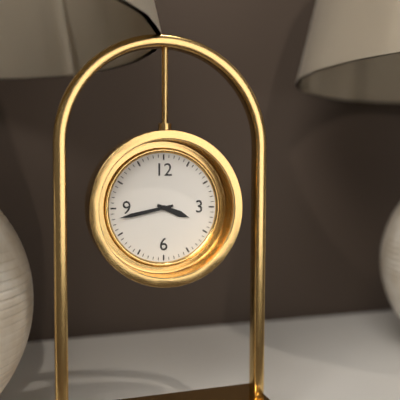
**3:43**
